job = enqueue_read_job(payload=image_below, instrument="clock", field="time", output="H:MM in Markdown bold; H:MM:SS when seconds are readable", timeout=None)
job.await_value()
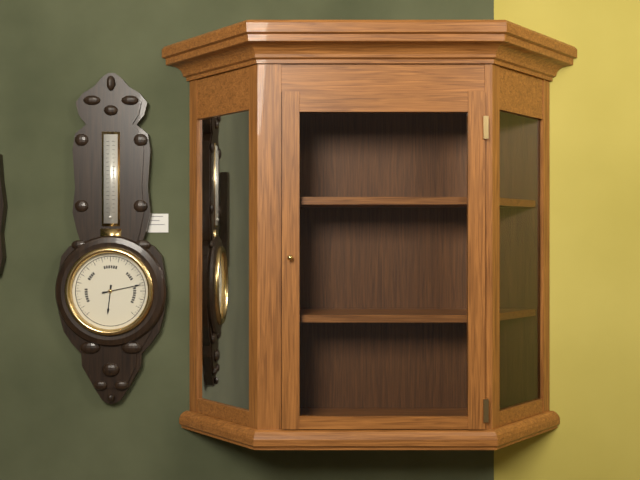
**6:13**
